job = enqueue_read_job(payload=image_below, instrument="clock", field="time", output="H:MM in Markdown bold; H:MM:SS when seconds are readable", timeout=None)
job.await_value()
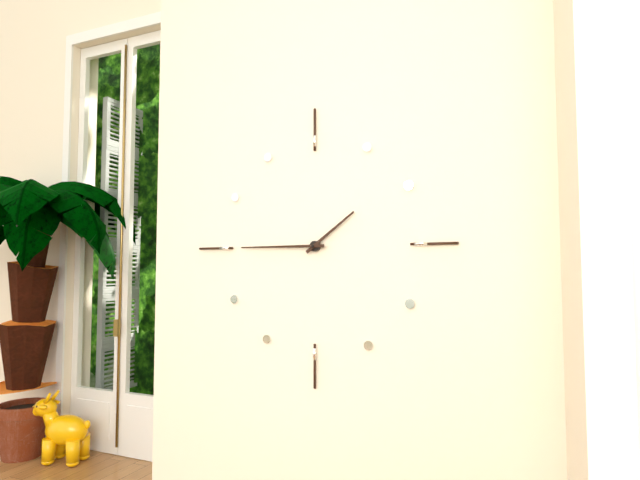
**1:45**
